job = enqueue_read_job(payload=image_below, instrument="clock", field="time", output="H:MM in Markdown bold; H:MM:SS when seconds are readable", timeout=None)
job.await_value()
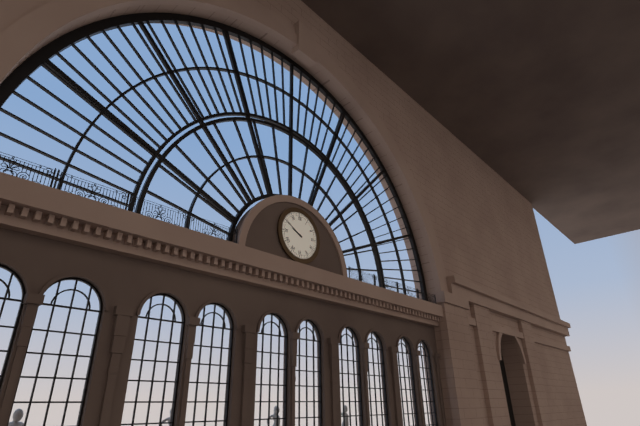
**9:50**
